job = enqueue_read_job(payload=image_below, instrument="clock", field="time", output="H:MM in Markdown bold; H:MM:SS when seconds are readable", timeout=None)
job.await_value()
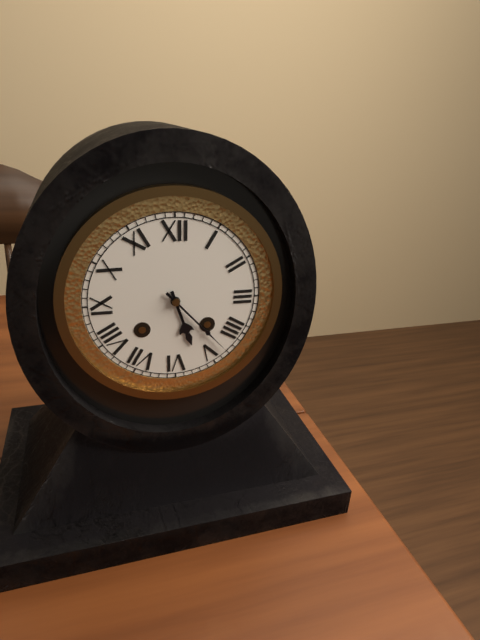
**5:23**
